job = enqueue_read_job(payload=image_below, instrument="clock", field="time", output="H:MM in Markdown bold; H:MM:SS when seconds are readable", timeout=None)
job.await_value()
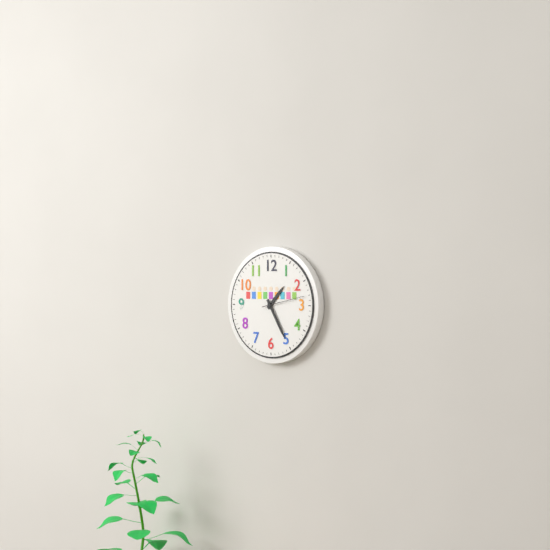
**1:25**
